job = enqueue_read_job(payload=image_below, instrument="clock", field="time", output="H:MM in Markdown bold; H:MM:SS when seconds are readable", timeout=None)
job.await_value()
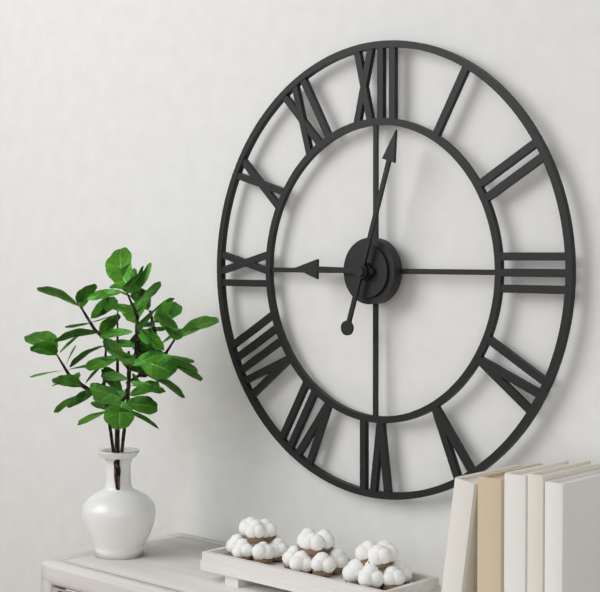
**9:03**
